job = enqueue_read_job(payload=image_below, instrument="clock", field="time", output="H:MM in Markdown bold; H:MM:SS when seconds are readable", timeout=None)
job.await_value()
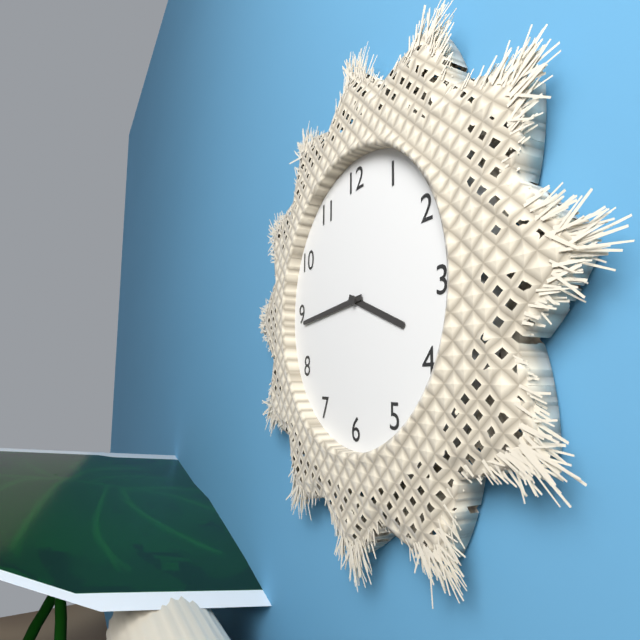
**3:44**
